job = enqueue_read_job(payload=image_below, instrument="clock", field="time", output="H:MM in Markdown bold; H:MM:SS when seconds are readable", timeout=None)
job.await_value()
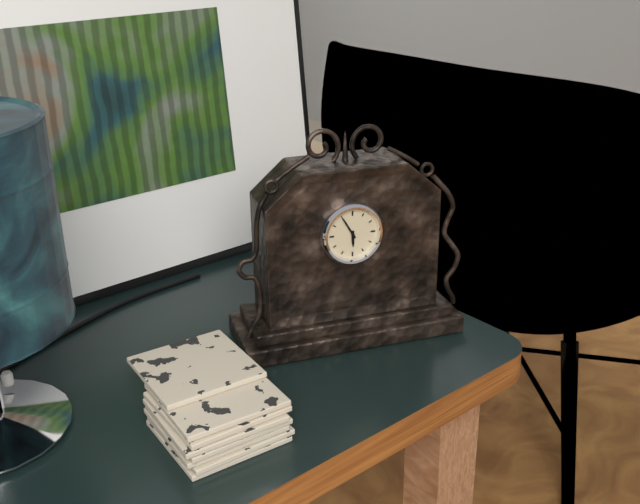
**5:55**
